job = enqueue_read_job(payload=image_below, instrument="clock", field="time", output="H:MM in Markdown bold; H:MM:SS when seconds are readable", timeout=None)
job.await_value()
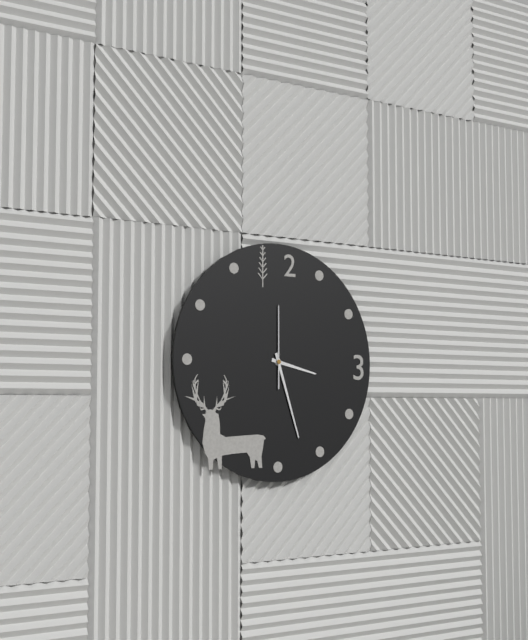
**3:27:00**
